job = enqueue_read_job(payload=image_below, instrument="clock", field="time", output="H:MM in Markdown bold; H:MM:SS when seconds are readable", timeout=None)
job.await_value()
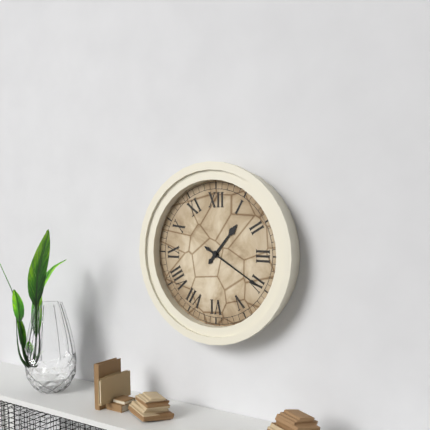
**1:20**
